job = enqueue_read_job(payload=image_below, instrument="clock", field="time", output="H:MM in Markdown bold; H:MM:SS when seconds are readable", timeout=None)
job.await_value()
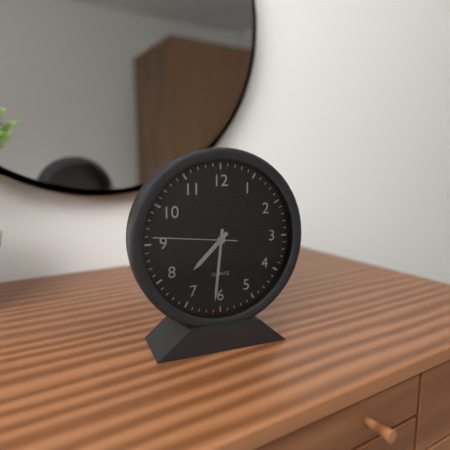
**7:31:46**
